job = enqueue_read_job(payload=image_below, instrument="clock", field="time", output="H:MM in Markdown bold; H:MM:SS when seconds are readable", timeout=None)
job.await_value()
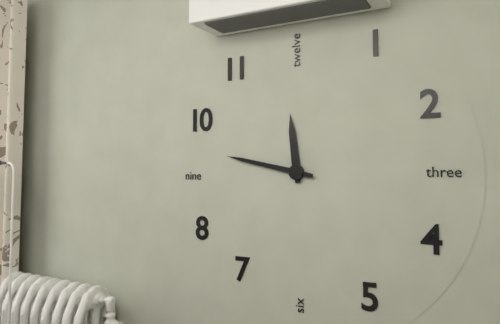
**11:47**
